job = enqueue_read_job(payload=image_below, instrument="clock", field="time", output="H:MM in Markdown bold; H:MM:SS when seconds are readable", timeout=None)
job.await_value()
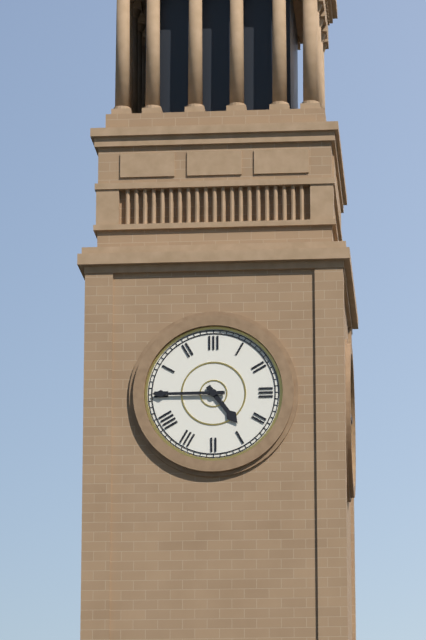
**4:45**
